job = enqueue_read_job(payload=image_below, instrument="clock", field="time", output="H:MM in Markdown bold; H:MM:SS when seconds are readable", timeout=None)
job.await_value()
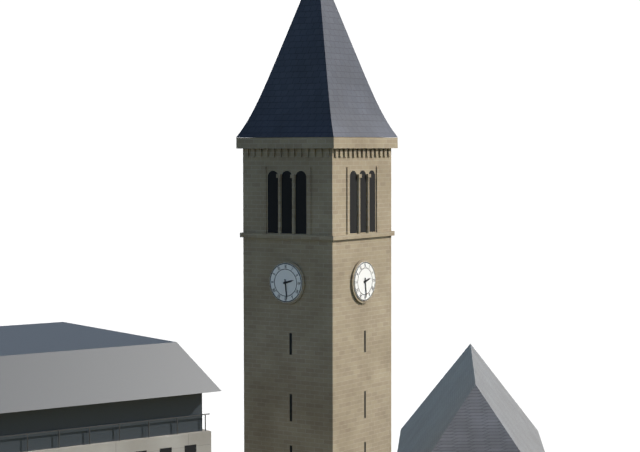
**2:29**
